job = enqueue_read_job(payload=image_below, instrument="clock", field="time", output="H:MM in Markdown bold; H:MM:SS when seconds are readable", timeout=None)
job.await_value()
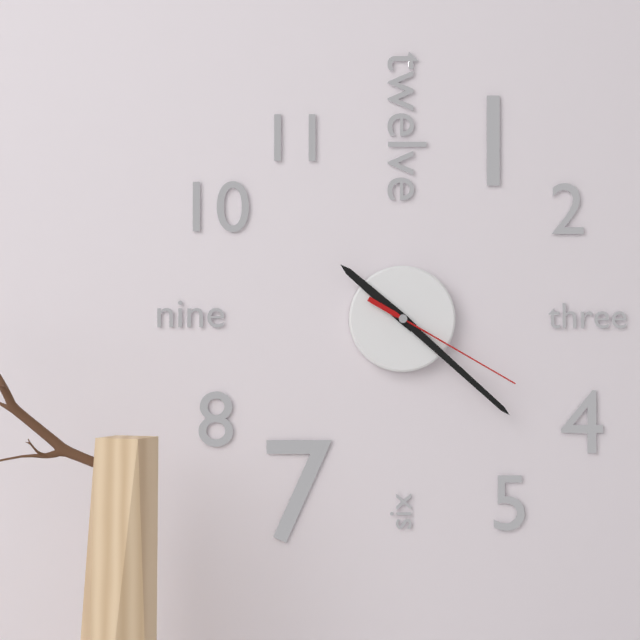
**10:22:20**
